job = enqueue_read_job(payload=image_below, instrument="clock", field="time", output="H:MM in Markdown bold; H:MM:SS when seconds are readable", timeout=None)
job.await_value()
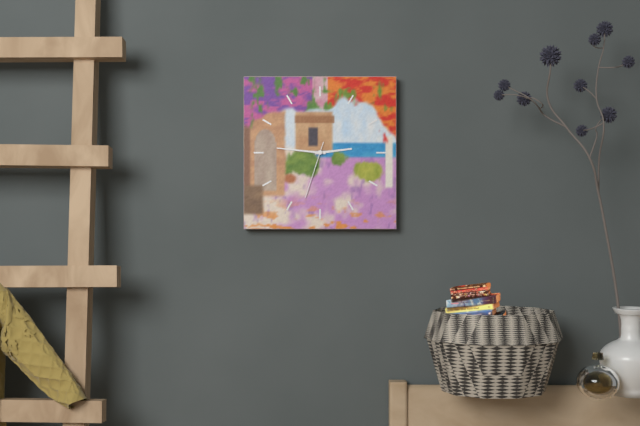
**2:46:33**
